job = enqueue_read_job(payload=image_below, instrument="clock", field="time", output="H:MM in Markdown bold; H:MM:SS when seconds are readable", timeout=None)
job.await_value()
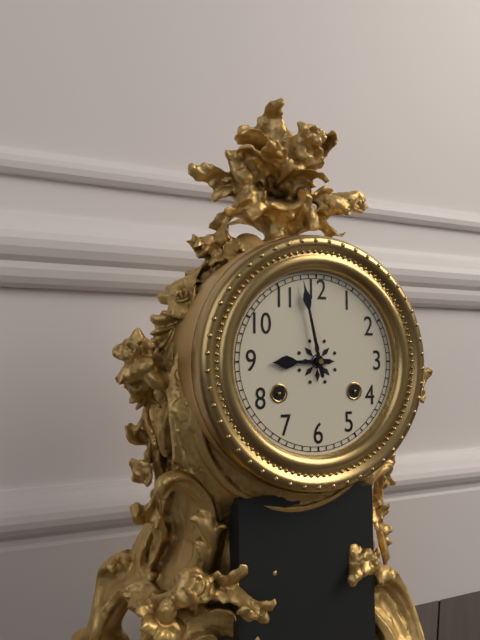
**8:58**
